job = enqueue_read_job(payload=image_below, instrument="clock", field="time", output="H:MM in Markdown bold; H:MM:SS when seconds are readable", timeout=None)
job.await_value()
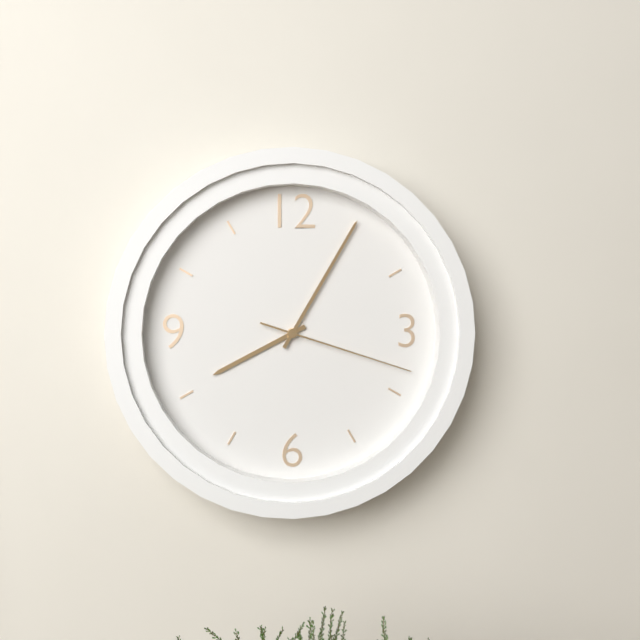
**8:05:18**
